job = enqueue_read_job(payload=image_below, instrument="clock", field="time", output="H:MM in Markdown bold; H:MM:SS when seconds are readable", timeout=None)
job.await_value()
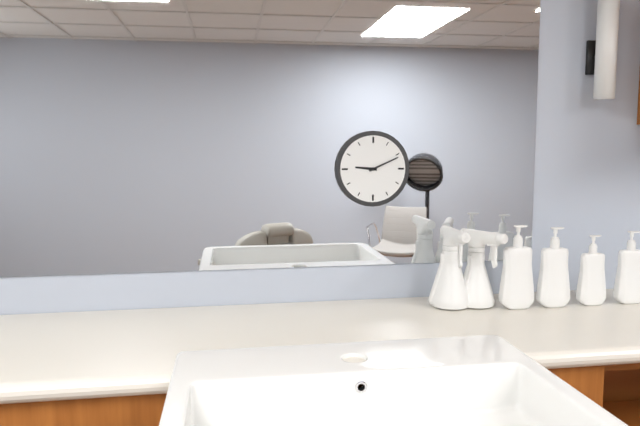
**9:11**
